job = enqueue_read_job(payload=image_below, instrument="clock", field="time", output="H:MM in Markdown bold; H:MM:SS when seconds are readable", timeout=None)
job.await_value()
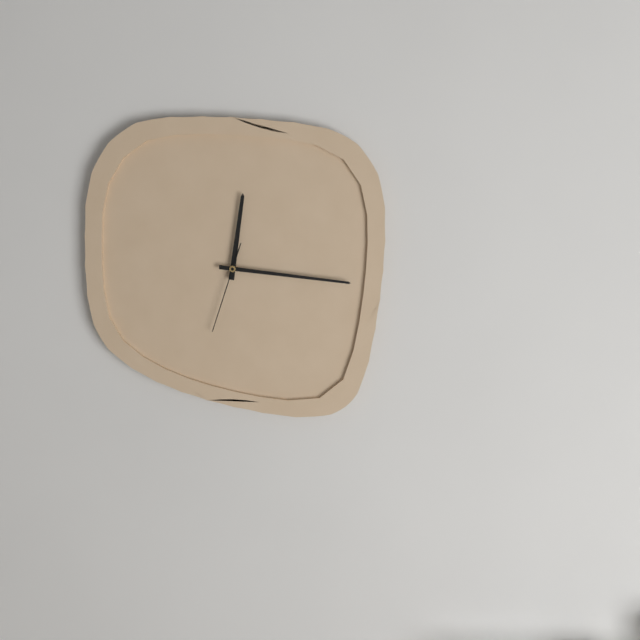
**12:16:33**
